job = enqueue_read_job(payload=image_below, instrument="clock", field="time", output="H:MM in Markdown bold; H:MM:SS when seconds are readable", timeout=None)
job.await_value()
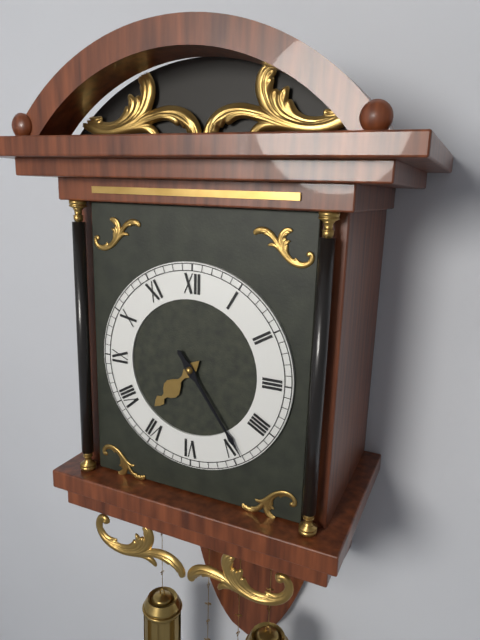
**7:24**
